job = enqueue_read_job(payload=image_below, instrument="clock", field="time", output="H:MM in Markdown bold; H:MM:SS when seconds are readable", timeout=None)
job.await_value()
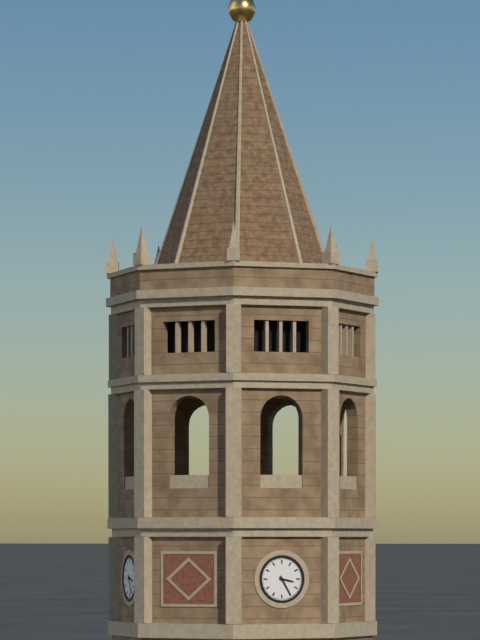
**3:25**
